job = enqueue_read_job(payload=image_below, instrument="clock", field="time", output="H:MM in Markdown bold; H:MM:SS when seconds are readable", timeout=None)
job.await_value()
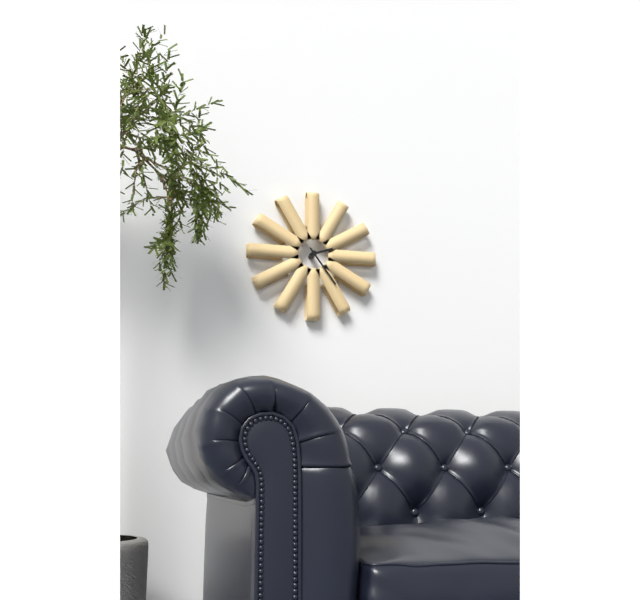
**2:24**
